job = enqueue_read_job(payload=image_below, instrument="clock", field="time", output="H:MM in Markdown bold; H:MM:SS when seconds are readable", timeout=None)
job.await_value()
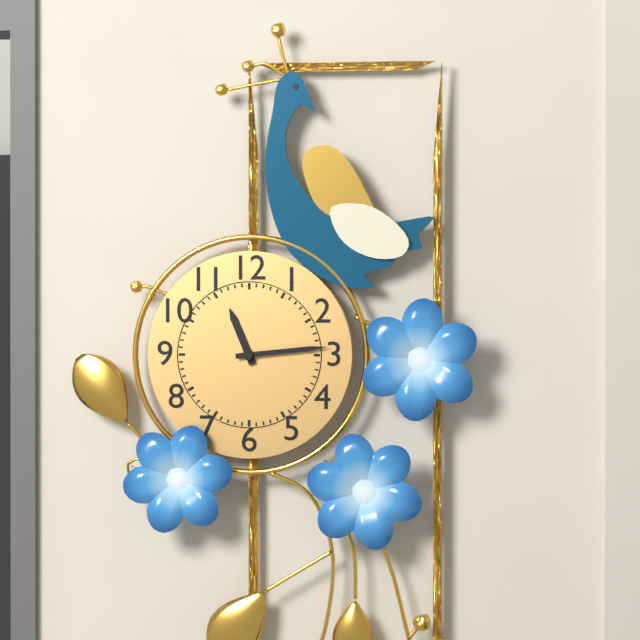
**11:14**
